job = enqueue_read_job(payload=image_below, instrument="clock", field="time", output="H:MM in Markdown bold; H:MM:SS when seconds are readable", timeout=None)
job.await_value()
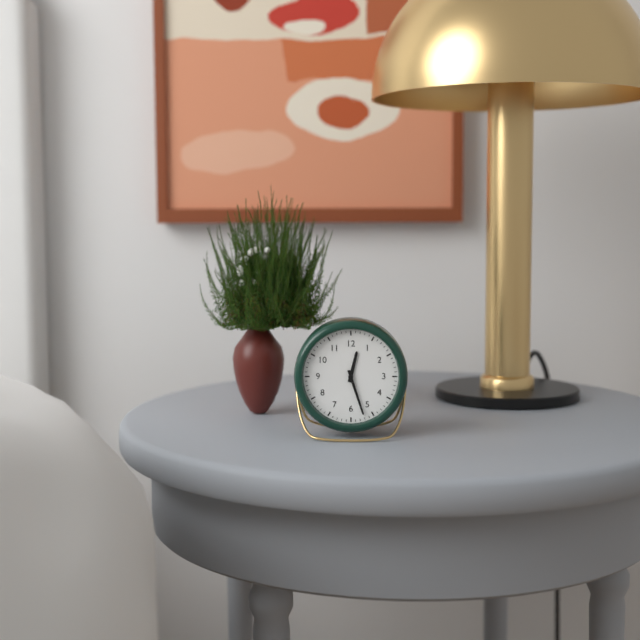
**12:27**
